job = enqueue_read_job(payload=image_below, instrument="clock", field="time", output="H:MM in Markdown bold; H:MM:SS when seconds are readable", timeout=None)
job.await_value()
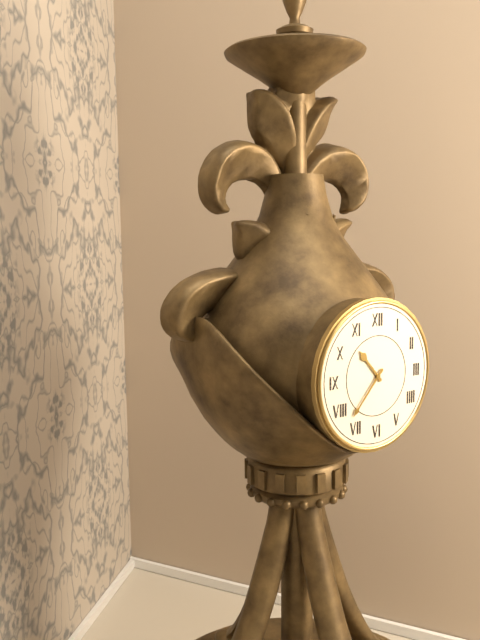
**10:37**
